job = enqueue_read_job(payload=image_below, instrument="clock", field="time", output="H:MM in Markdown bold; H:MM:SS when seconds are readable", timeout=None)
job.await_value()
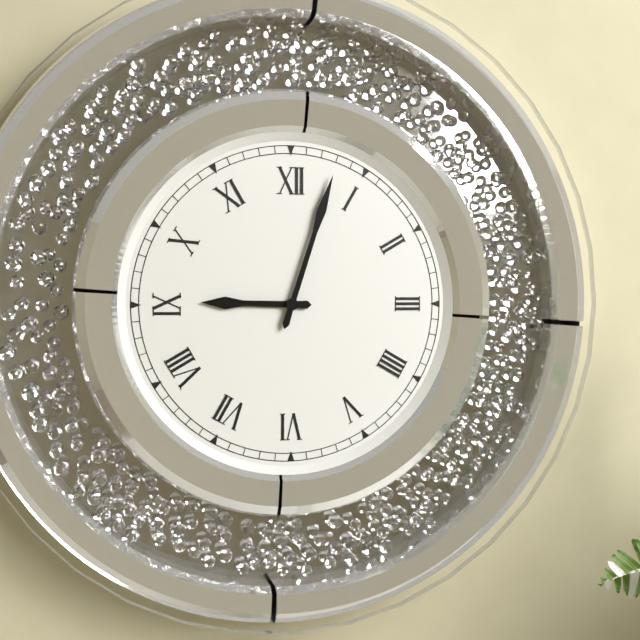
**9:03**
